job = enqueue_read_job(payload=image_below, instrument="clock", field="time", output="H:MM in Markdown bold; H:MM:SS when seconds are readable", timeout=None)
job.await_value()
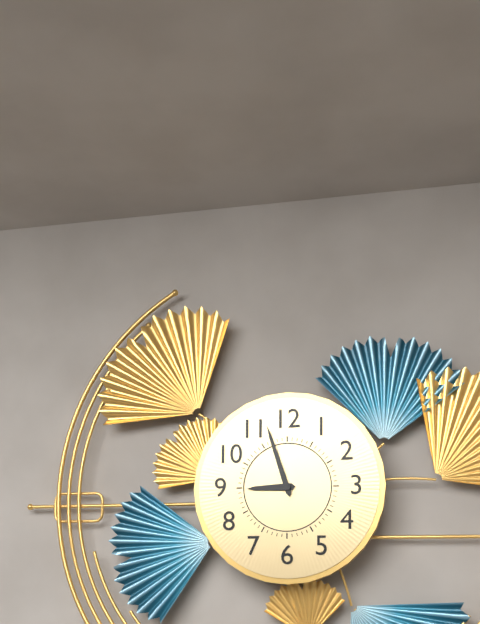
**8:57**
